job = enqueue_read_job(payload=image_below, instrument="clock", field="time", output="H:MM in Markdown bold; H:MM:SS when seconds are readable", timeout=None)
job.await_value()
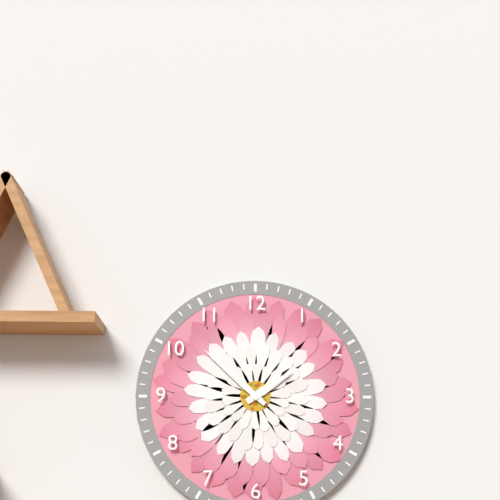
**1:52**
